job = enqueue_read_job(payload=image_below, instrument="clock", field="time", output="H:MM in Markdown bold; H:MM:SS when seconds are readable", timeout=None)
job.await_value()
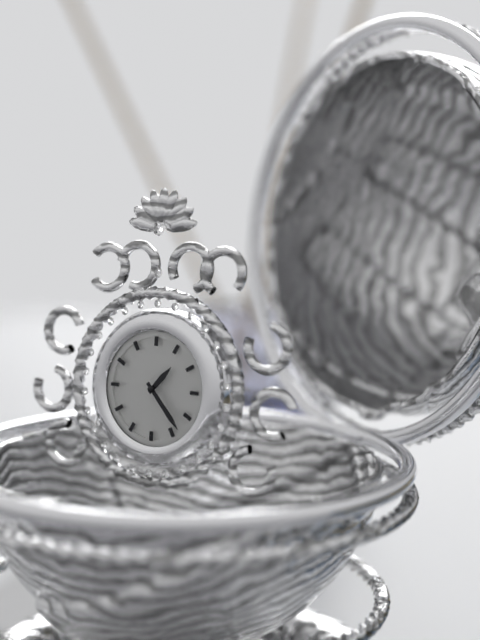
**1:23**
